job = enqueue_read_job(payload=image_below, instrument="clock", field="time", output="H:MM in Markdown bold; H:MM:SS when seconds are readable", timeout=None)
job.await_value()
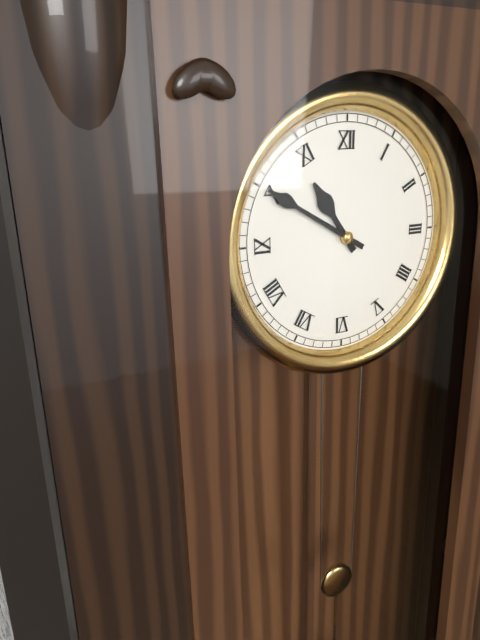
**10:50**
